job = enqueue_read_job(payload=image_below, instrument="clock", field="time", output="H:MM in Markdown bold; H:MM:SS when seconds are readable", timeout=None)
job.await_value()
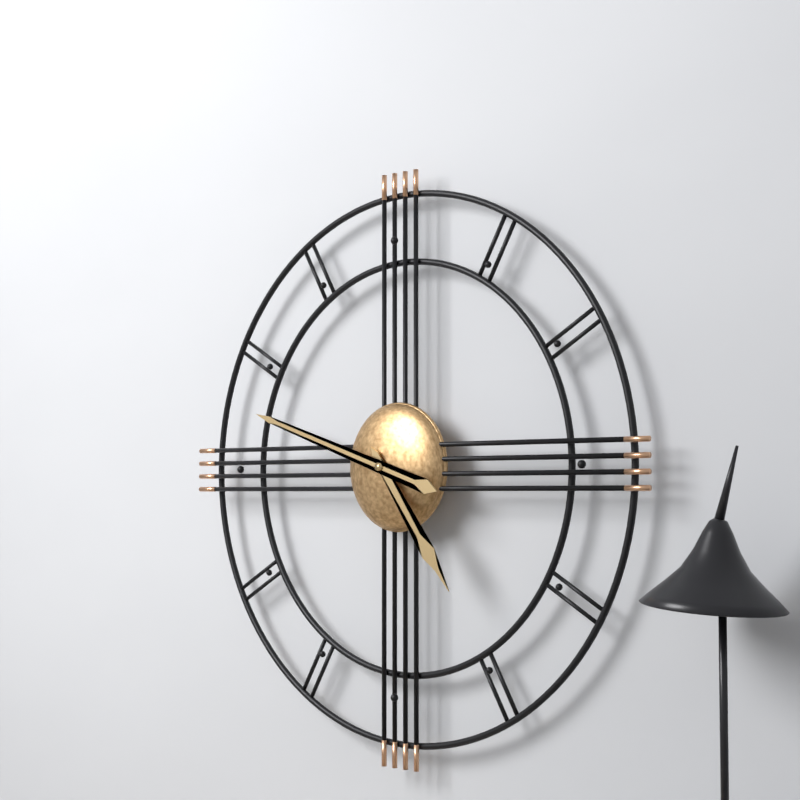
**4:48**
